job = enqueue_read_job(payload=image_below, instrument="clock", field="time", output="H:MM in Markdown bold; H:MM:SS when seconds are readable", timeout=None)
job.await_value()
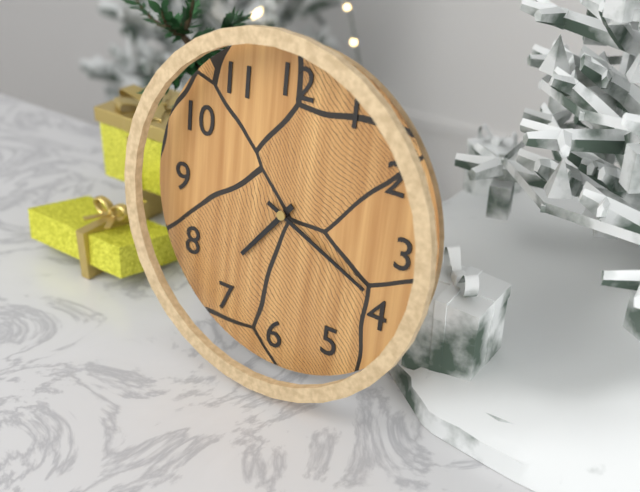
**7:19**
